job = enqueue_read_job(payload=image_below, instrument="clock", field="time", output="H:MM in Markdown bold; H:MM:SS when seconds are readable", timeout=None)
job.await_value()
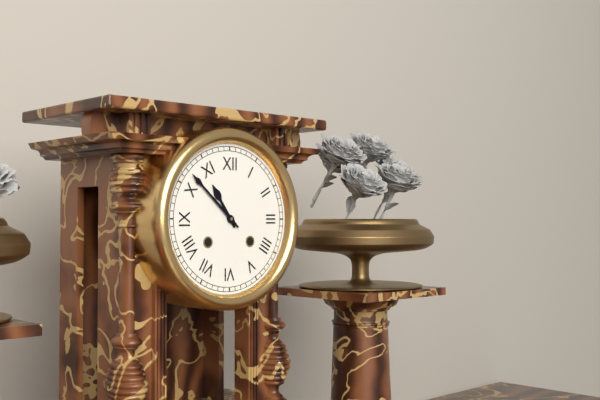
**10:52**
